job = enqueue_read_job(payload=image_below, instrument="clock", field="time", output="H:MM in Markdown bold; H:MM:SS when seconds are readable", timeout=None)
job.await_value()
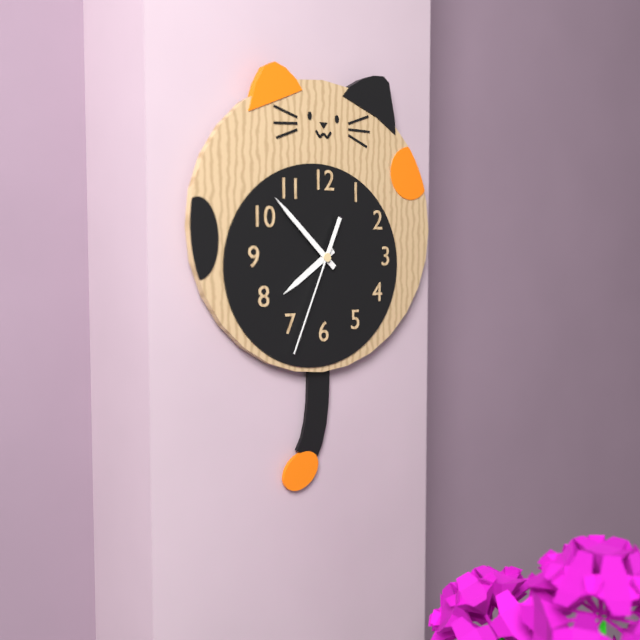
**7:52:34**
